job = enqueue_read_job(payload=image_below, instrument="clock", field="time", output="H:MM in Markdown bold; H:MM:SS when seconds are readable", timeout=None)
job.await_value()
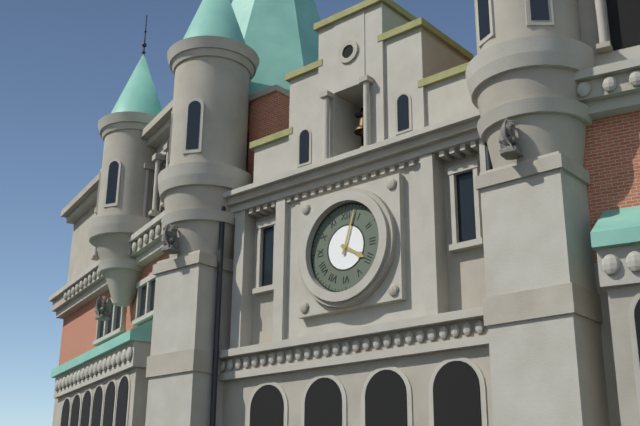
**4:03**
